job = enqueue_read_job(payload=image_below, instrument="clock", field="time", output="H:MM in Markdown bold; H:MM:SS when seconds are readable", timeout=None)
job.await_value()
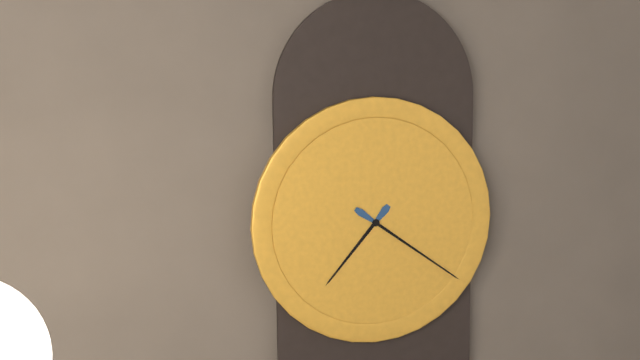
**7:21**
